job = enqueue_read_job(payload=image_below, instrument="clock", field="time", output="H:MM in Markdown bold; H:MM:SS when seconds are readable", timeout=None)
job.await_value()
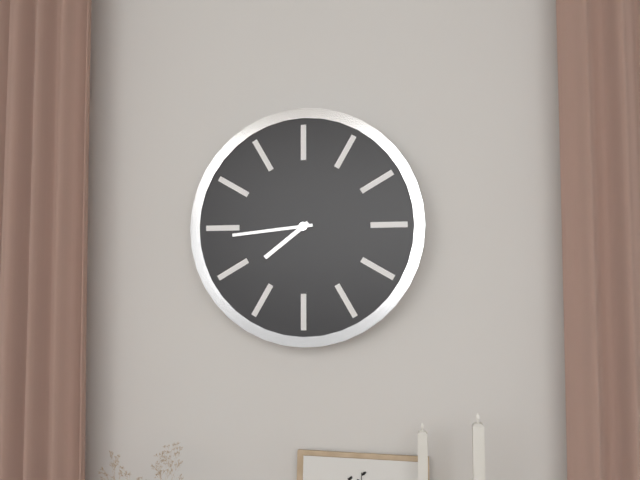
**7:44**
